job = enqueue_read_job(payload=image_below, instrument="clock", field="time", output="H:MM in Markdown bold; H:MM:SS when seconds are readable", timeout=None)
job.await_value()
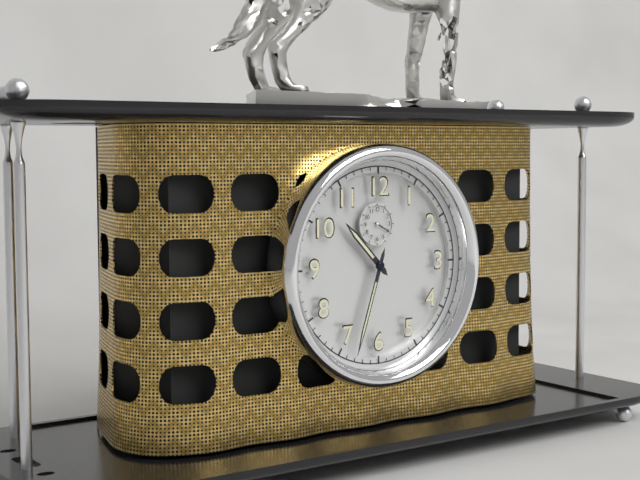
**10:33**
